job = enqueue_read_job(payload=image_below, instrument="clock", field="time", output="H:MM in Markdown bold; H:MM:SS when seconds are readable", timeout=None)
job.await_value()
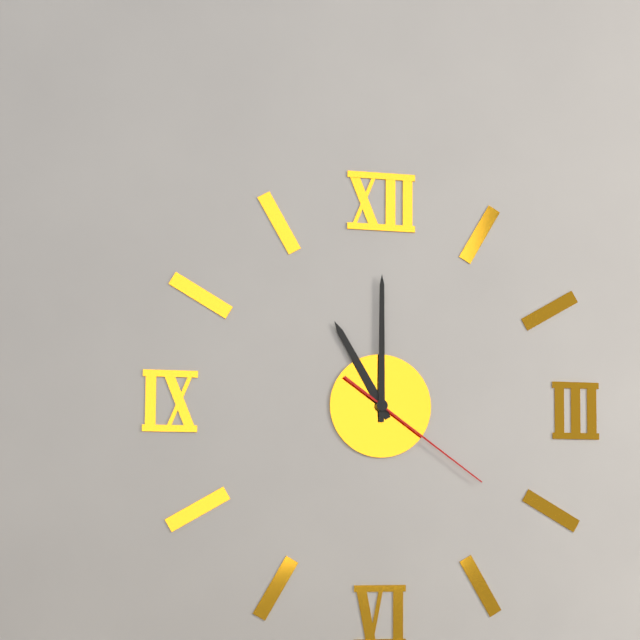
**11:00:21**
